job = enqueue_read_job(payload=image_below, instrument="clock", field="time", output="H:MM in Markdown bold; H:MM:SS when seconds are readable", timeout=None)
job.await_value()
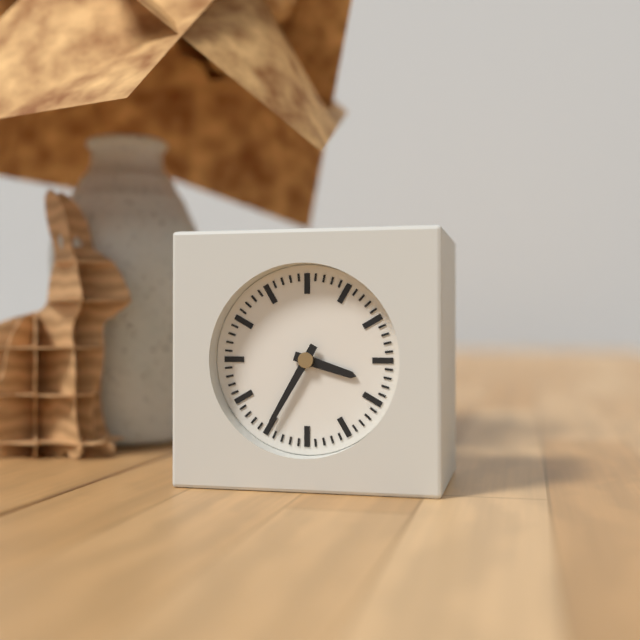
**3:35**
